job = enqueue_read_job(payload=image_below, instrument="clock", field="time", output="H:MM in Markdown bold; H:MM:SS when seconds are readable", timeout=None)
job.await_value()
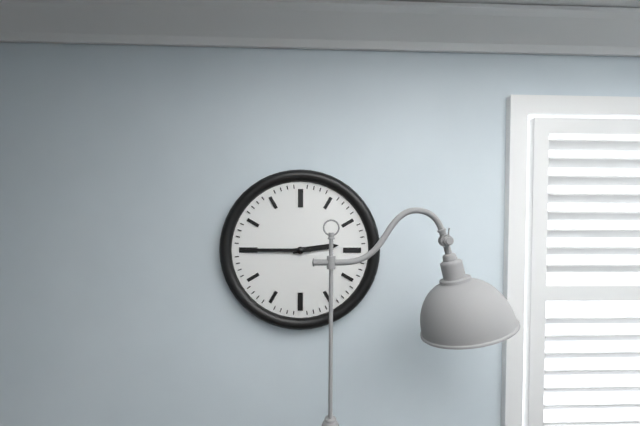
**2:45**
